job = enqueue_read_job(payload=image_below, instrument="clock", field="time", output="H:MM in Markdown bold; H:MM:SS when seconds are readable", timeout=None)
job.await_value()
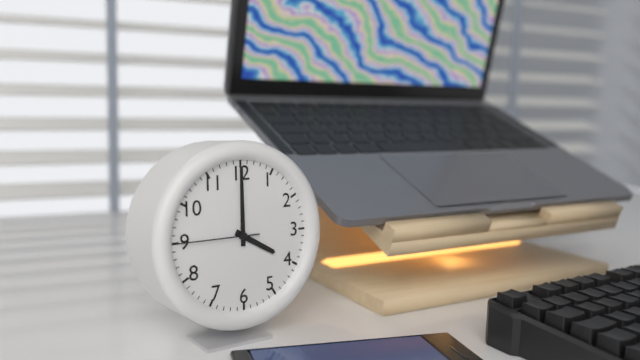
**4:00:45**
